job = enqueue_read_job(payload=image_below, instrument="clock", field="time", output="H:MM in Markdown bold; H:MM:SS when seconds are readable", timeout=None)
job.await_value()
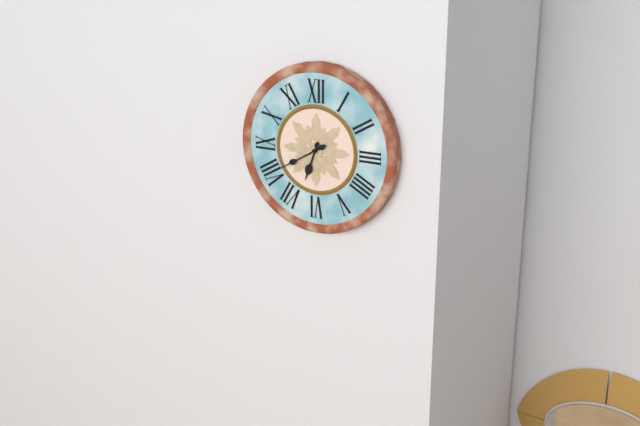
**6:40**
